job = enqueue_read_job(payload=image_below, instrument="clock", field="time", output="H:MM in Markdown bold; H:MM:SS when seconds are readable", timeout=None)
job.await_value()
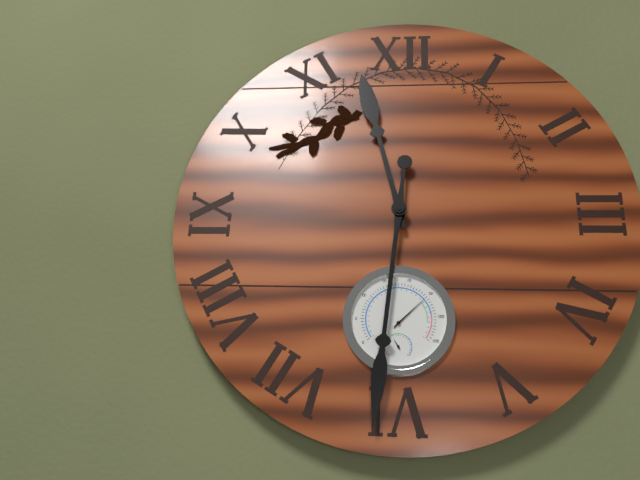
**11:31**
